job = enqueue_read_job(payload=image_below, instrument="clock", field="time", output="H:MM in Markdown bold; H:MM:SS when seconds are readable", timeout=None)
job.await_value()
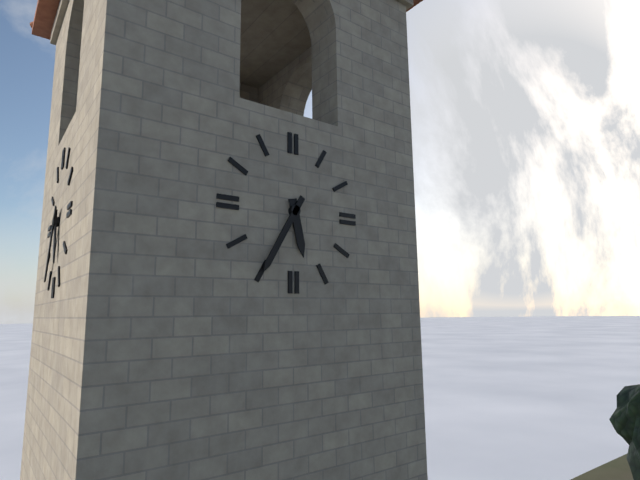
**5:35**
